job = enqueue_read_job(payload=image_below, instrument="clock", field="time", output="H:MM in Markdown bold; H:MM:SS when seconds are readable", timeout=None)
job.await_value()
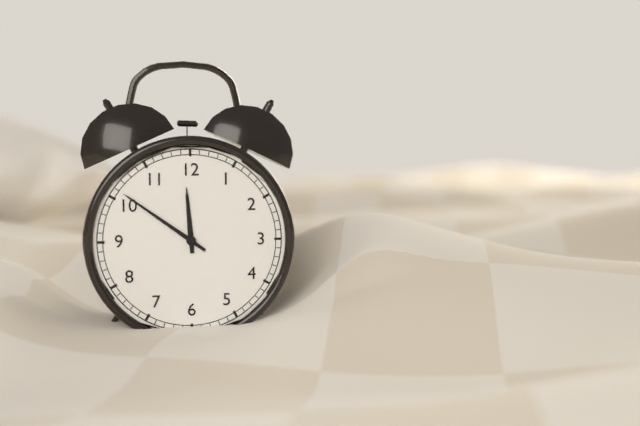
**11:51**
